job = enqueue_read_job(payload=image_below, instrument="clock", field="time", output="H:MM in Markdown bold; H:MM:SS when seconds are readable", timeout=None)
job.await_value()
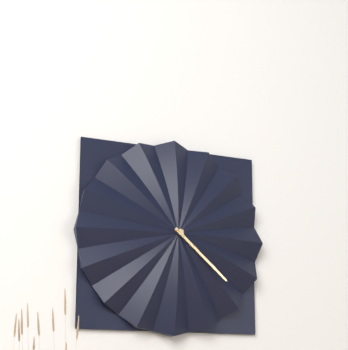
**4:22**
